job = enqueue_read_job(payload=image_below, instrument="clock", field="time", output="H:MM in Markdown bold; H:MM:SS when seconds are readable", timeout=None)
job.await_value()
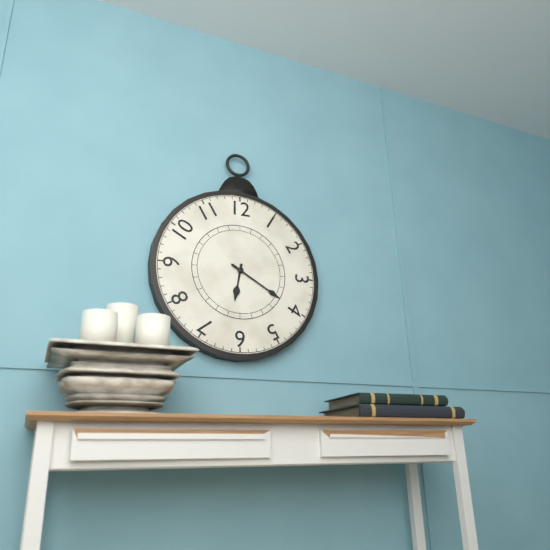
**6:20**
